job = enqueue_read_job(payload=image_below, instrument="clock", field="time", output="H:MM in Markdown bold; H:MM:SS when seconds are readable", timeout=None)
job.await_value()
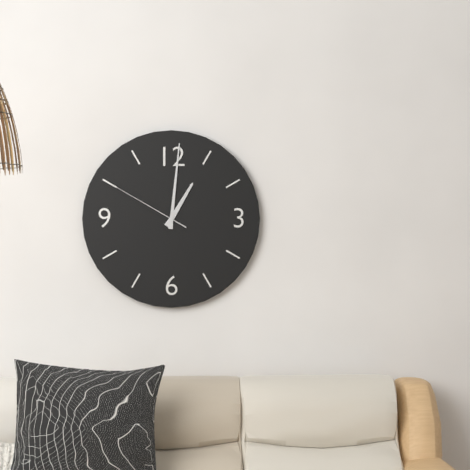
**1:01:50**
